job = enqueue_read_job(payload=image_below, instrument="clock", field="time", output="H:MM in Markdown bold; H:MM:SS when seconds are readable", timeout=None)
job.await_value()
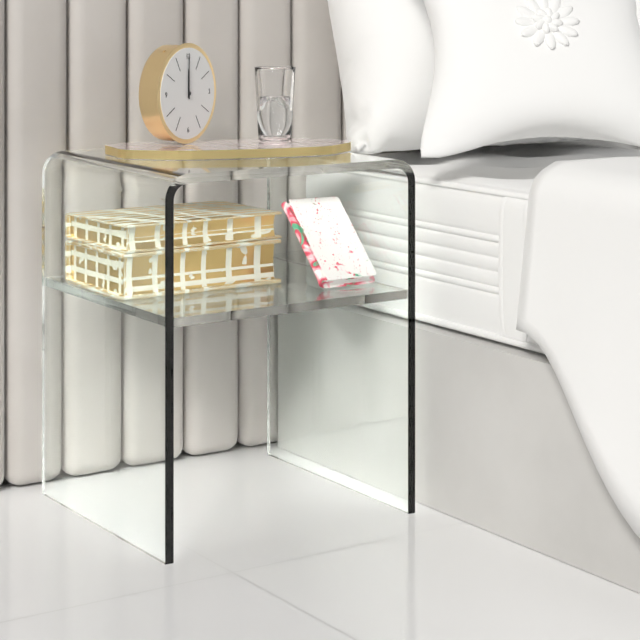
**12:00**
